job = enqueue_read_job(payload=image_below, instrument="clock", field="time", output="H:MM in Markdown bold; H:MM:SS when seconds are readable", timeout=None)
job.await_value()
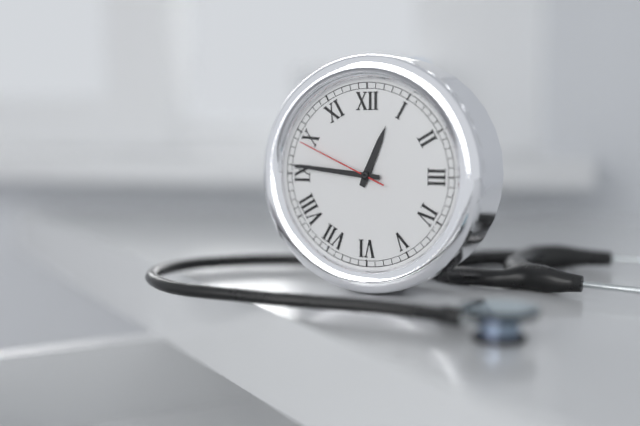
**12:46:49**
